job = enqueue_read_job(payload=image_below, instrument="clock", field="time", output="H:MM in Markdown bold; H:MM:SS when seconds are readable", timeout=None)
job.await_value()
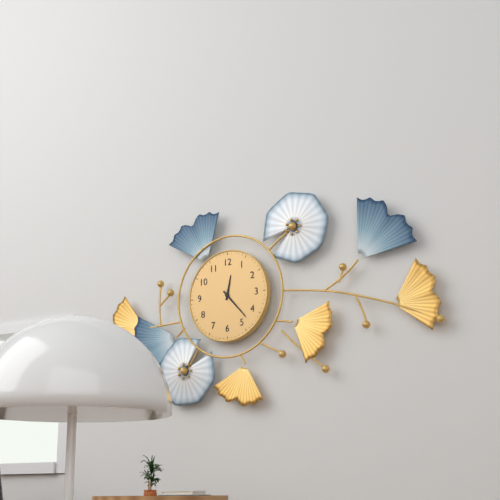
**12:23**
